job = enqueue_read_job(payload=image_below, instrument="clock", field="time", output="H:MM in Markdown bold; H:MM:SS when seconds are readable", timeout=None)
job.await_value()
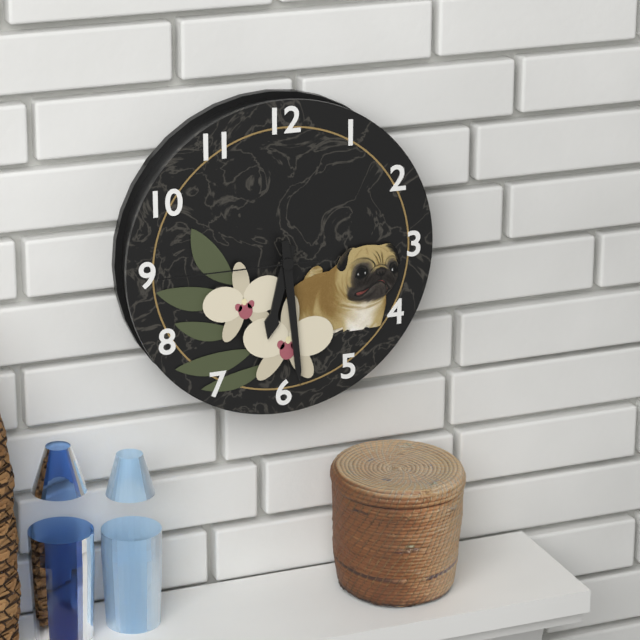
**6:29:45**
